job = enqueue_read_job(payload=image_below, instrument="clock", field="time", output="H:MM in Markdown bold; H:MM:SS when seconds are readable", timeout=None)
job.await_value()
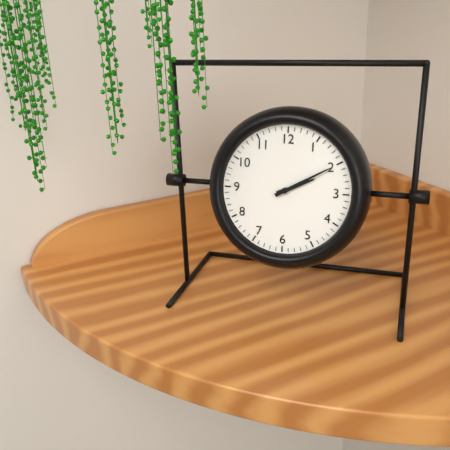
**2:10**
